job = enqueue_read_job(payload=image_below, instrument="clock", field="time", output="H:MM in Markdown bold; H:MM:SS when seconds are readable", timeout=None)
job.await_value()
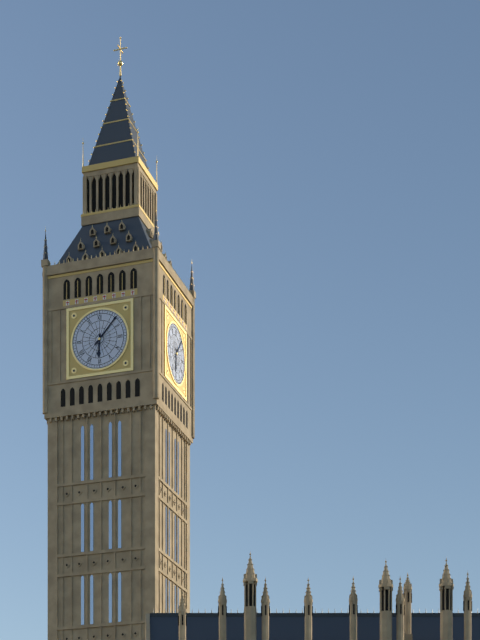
**6:07**
